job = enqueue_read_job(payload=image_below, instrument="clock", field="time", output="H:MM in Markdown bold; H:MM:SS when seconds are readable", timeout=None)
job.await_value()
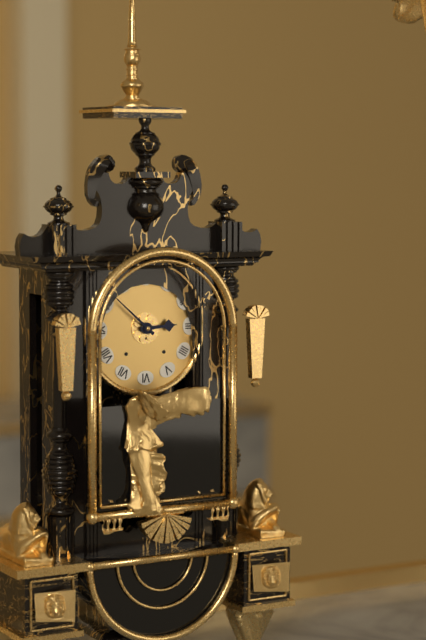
**2:52**
